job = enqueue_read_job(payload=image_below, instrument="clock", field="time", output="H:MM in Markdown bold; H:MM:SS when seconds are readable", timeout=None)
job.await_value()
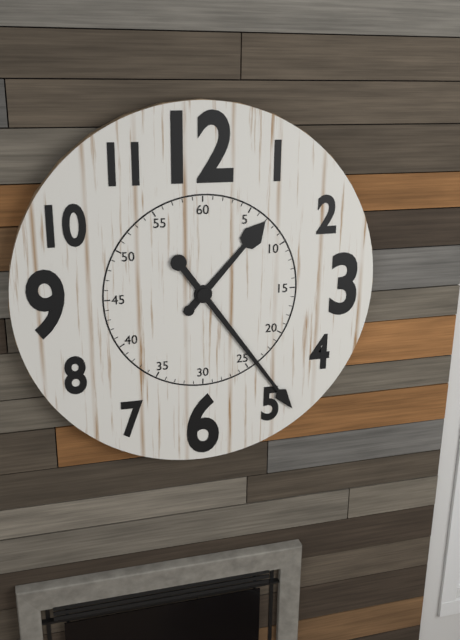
**1:24**
